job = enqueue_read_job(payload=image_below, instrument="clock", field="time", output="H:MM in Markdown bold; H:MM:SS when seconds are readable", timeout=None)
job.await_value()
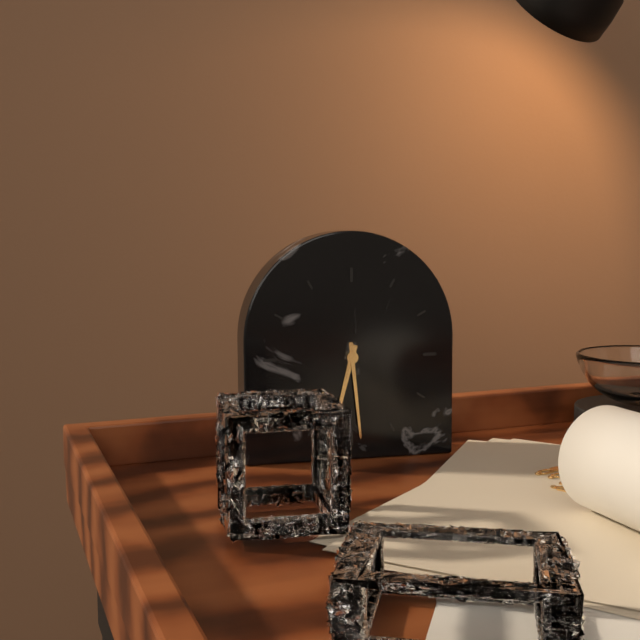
**6:29**
